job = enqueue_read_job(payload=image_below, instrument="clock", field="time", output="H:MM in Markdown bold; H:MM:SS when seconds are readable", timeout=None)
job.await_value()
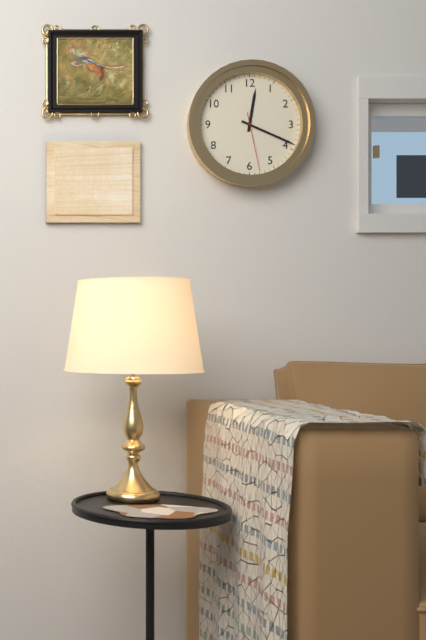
**12:19:28**
